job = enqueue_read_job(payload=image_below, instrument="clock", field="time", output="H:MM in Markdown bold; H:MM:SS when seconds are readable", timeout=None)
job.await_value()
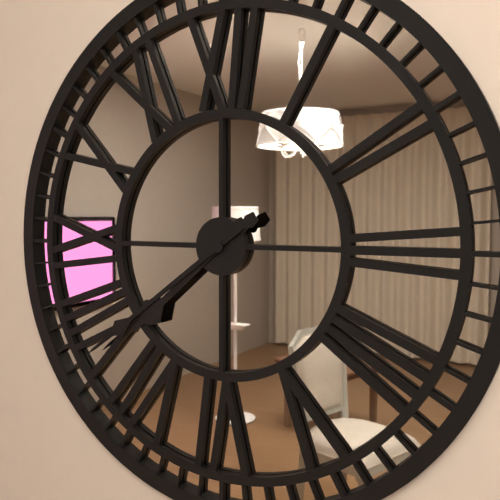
**7:39**
